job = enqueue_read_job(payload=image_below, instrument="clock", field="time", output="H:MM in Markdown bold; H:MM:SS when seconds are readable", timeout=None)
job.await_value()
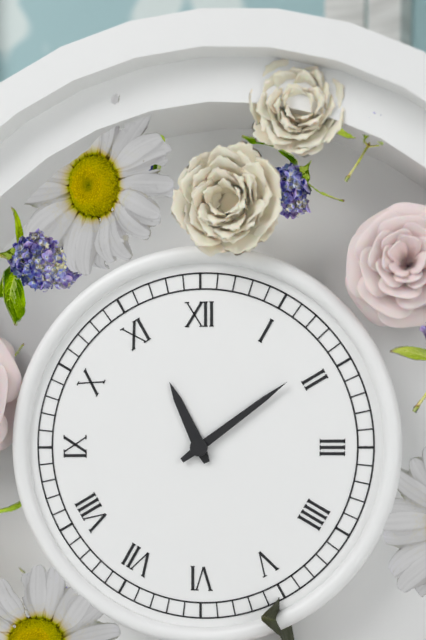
**11:09**
